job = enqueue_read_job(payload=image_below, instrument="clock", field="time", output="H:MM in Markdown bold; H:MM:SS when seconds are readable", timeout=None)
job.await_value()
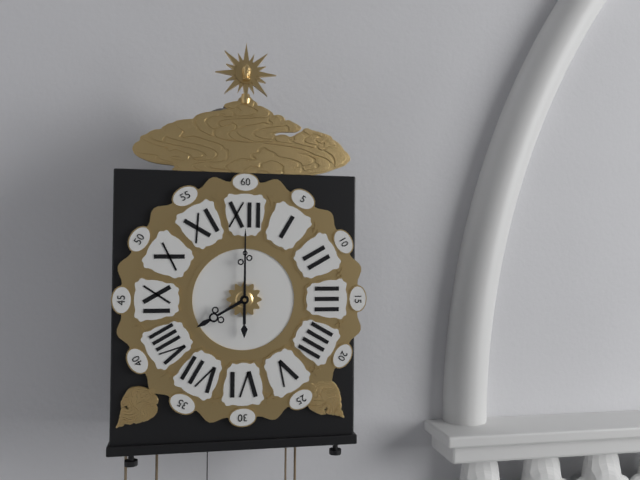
**8:00**
